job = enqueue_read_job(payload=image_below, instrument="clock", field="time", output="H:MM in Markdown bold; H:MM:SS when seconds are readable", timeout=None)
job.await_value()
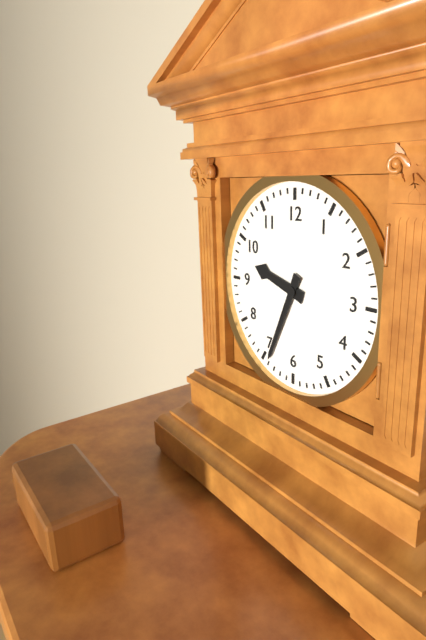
**9:34**
